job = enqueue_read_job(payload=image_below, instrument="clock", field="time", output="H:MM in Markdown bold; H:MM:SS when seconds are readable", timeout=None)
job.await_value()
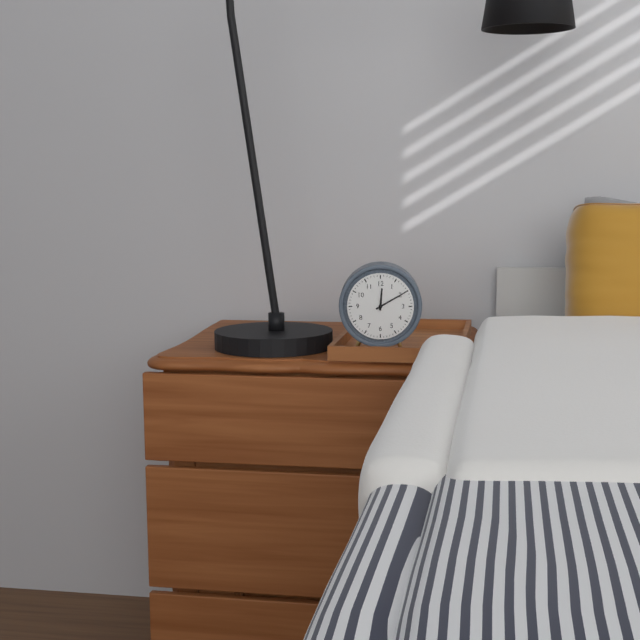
**12:10**
